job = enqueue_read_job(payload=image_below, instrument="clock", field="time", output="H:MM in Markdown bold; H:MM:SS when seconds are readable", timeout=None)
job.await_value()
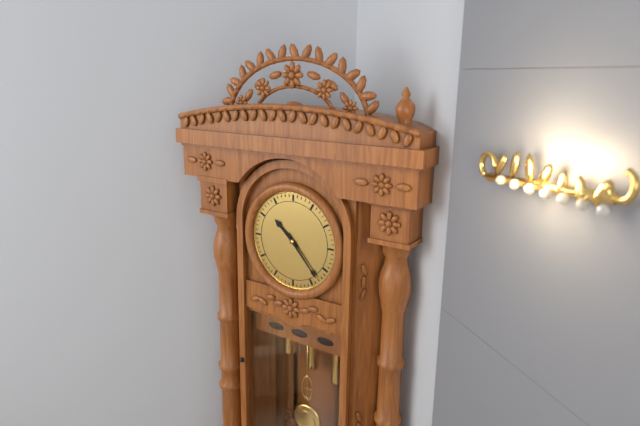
**10:23**
